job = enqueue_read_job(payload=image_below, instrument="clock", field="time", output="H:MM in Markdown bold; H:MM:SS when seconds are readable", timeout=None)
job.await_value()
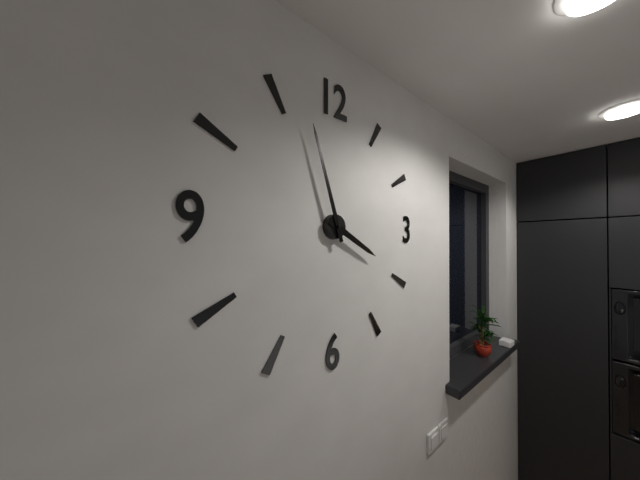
**3:57**
